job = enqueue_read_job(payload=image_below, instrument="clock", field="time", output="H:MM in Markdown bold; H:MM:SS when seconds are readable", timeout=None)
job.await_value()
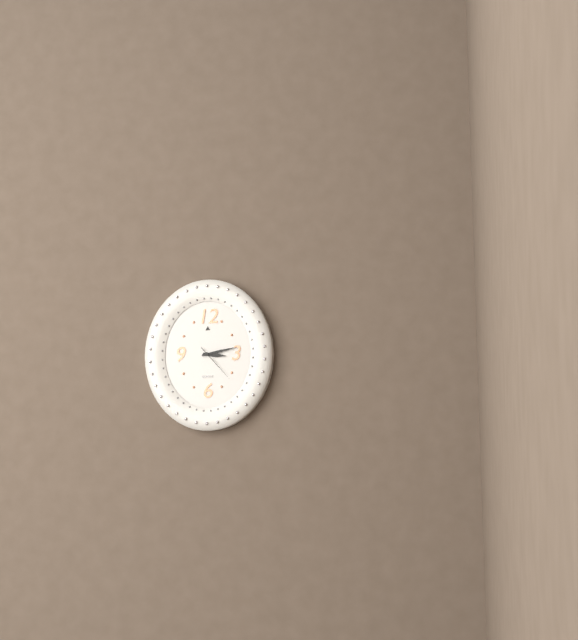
**3:13**
